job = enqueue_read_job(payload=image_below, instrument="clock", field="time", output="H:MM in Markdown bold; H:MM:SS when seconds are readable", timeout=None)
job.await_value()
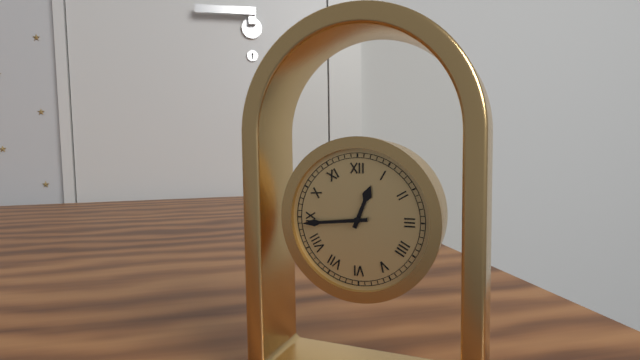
**12:44**
